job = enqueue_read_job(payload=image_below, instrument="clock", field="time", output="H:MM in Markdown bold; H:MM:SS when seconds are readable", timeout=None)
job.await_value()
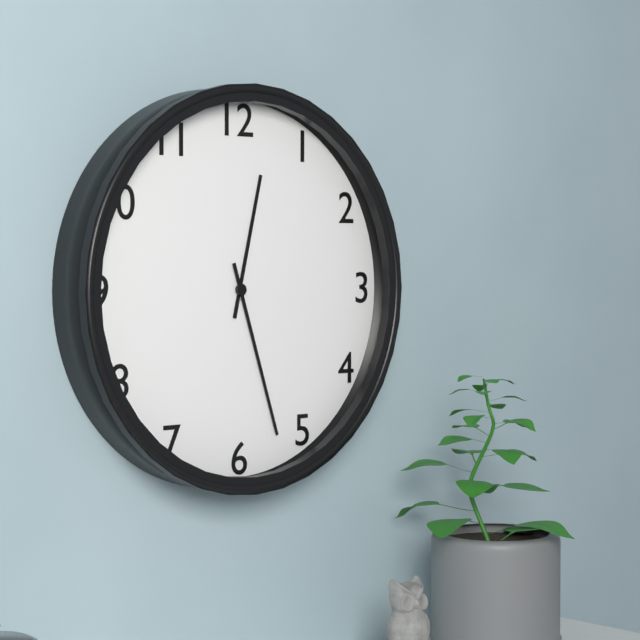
**12:27**
